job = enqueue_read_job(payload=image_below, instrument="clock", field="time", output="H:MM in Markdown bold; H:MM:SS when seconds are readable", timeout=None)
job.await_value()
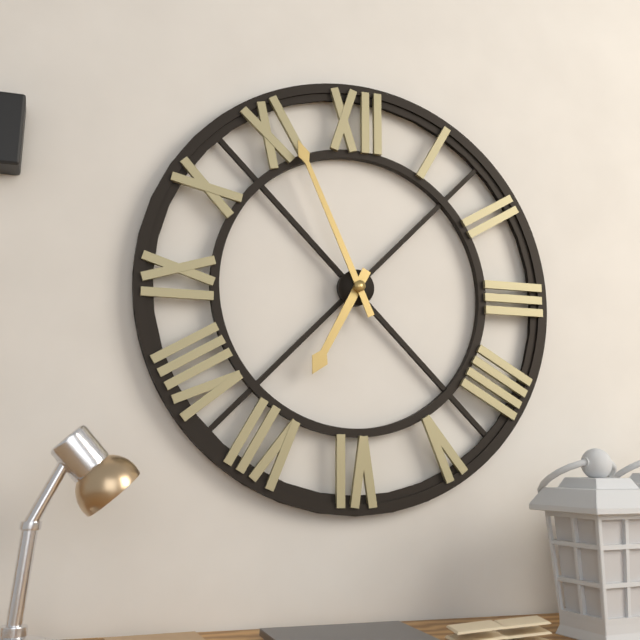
**6:56**
